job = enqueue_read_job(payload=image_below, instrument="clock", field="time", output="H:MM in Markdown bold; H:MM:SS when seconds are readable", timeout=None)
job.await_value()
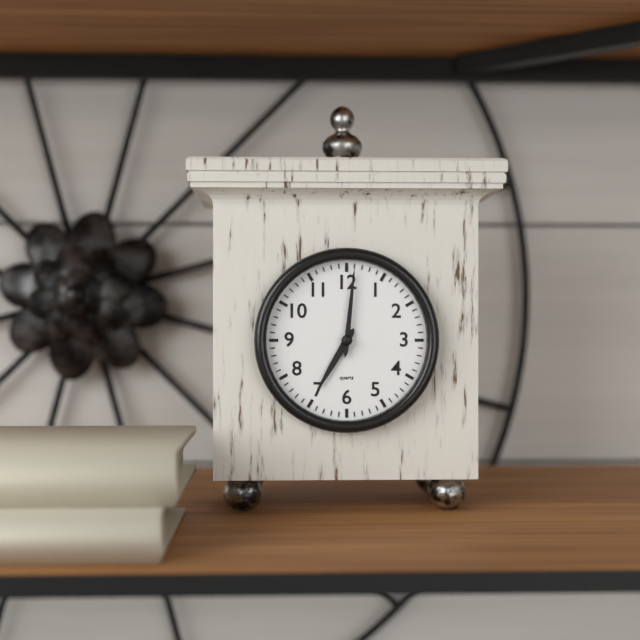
**7:01**
